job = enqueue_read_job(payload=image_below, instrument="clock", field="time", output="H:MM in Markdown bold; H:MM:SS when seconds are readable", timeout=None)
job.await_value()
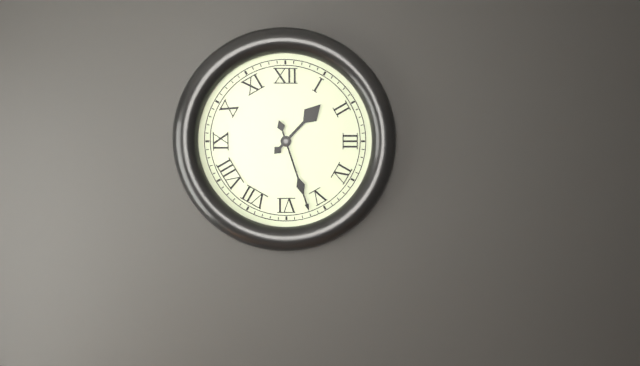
**1:27**
